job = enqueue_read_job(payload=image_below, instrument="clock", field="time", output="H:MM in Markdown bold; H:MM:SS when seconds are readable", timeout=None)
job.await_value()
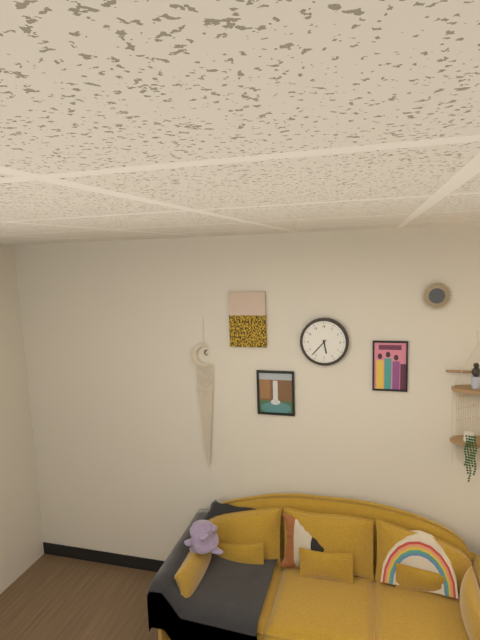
**5:37**
